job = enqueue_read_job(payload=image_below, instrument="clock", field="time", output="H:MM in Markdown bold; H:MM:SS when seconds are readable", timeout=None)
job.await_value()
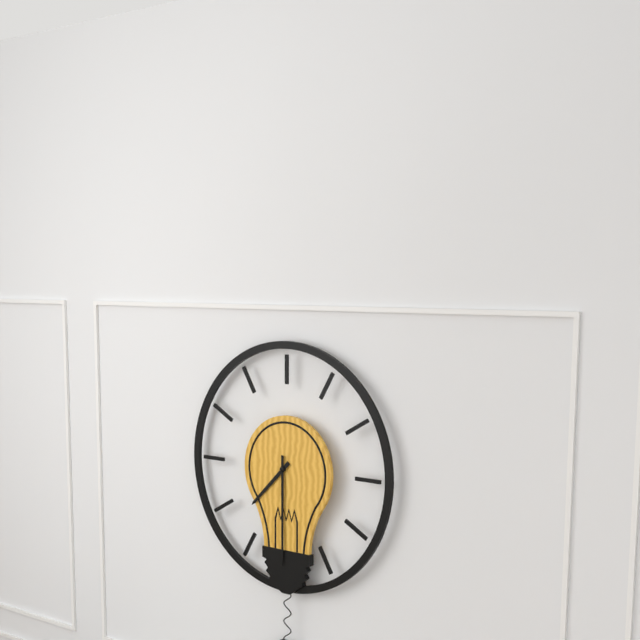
**7:30**
